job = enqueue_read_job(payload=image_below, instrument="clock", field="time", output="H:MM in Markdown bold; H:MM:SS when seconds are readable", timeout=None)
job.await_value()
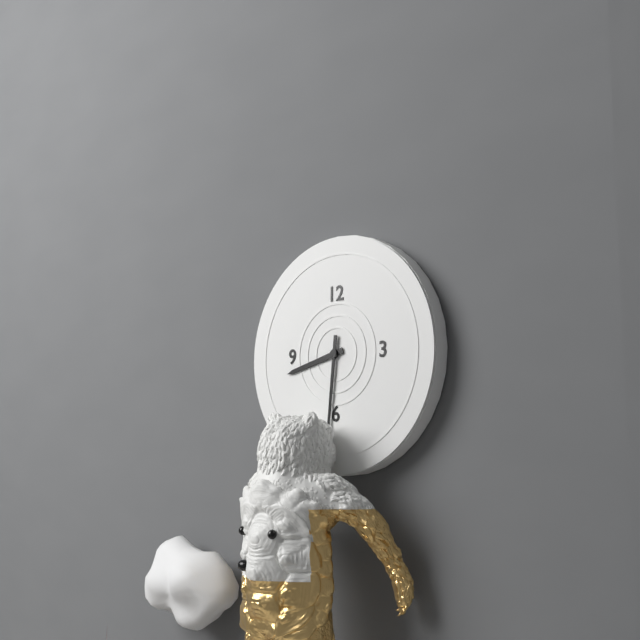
**8:31**
